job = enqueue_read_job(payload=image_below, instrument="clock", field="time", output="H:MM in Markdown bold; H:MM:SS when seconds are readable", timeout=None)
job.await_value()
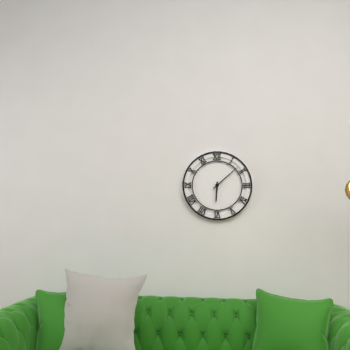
**6:08**
